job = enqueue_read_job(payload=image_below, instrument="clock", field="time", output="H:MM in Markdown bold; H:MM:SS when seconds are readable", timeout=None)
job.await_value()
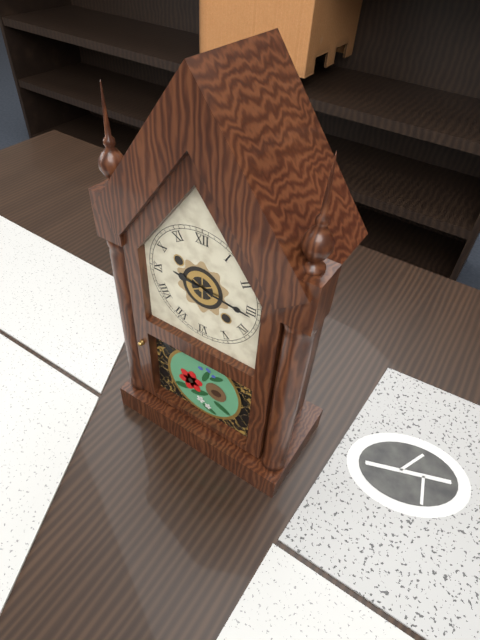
**9:16**
